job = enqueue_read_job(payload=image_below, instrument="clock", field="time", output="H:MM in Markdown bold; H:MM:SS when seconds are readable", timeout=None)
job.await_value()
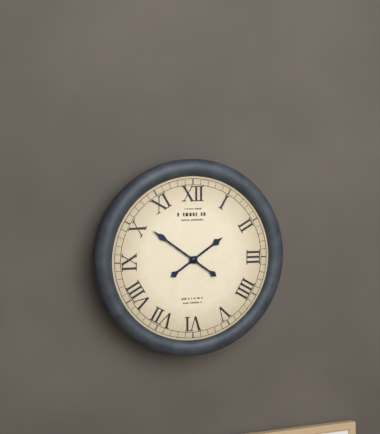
**1:51**
